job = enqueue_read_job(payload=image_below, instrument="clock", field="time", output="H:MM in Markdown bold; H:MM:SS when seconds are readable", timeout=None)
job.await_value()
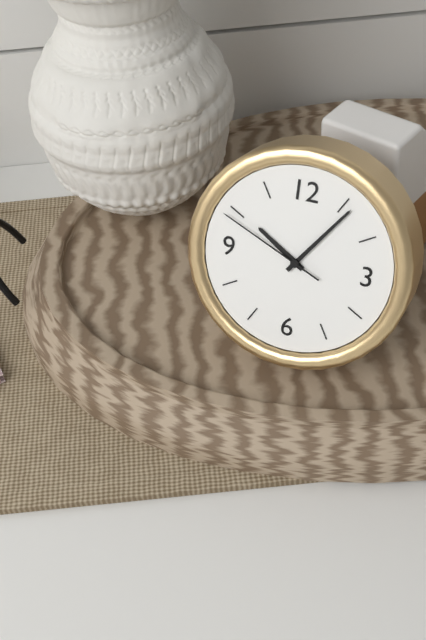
**10:06:49**
